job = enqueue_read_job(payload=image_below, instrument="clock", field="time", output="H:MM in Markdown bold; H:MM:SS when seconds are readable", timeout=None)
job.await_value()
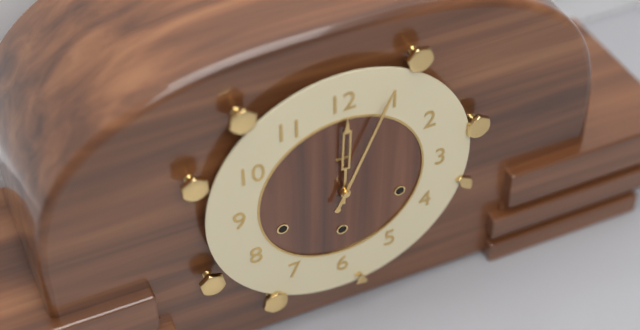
**12:04**
